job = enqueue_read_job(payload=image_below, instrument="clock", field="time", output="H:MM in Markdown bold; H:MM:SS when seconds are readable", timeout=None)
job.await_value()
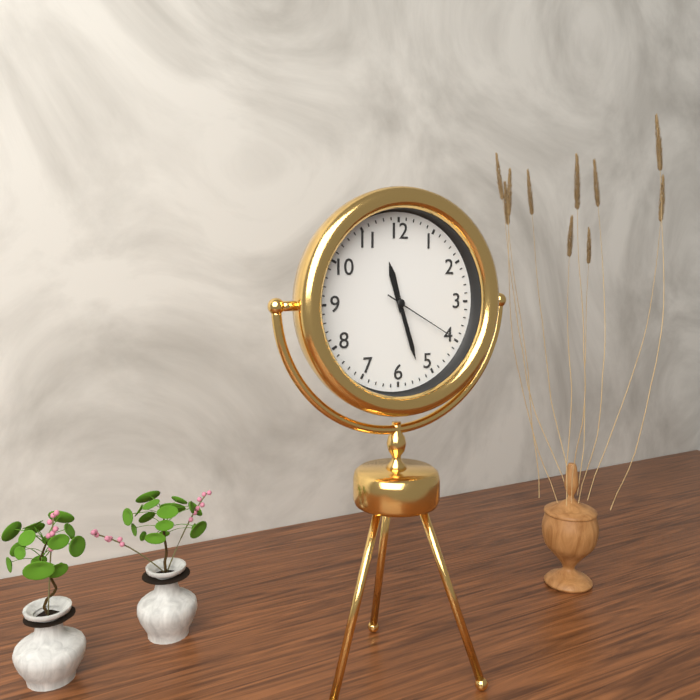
**11:27:20**
